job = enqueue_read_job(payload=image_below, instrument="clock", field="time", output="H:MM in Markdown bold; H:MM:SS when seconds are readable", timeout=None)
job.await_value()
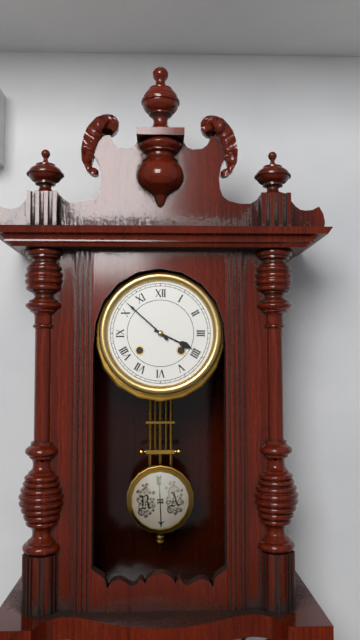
**3:52**
